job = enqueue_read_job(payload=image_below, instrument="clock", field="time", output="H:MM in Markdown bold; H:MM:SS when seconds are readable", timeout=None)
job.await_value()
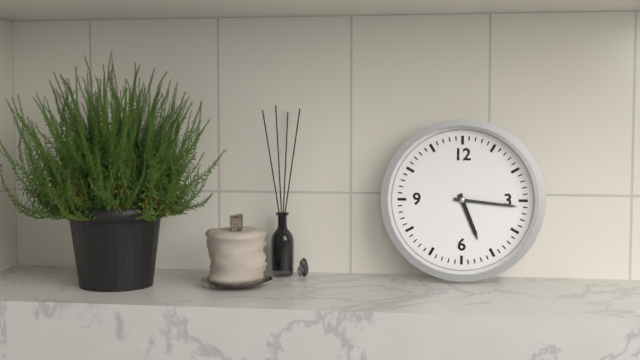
**5:16**
